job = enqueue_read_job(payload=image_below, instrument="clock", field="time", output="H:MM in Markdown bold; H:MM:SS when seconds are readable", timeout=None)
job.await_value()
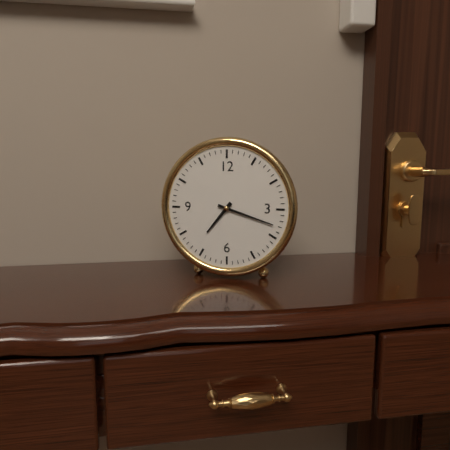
**7:18**
